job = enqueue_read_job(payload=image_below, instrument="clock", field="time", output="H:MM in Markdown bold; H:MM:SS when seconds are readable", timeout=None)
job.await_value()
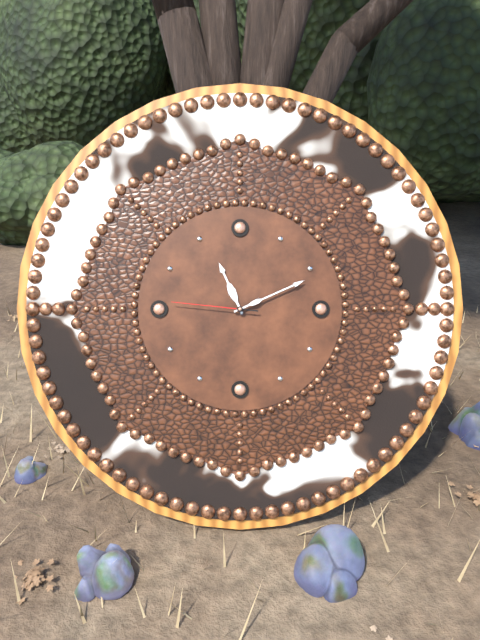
**11:11:46**
